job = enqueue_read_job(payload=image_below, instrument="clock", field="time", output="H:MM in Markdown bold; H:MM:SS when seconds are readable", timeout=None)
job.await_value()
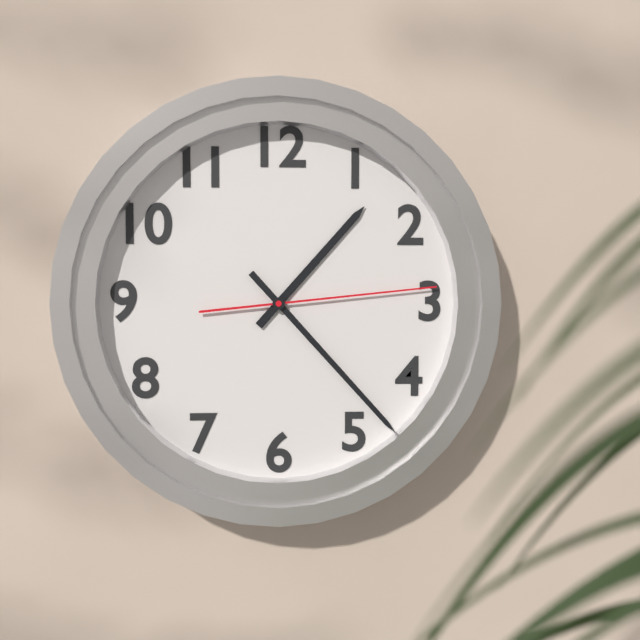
**1:23:14**
